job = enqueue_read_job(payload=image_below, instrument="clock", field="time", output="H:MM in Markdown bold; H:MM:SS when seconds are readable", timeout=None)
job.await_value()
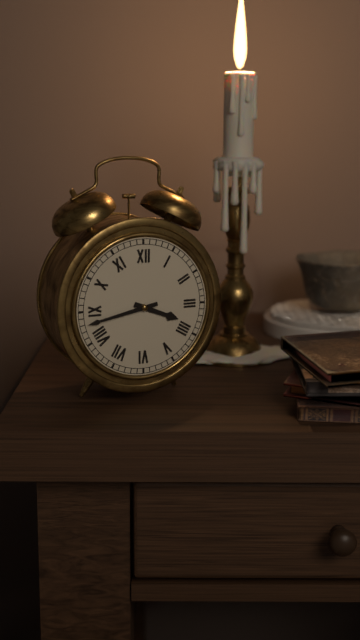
**3:43**
